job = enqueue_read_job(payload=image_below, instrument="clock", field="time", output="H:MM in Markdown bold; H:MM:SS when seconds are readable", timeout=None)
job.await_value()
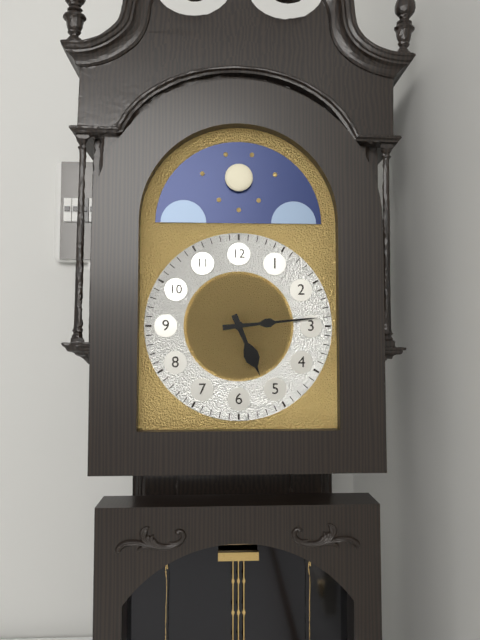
**5:14**
